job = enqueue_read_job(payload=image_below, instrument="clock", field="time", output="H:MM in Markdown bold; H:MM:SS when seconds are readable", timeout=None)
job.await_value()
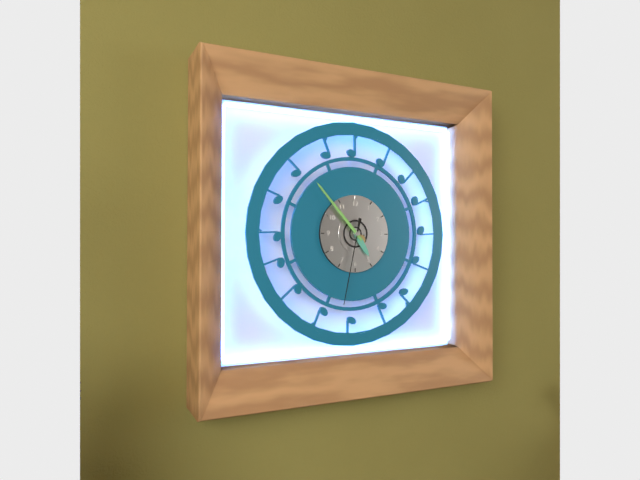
**4:53:32**
